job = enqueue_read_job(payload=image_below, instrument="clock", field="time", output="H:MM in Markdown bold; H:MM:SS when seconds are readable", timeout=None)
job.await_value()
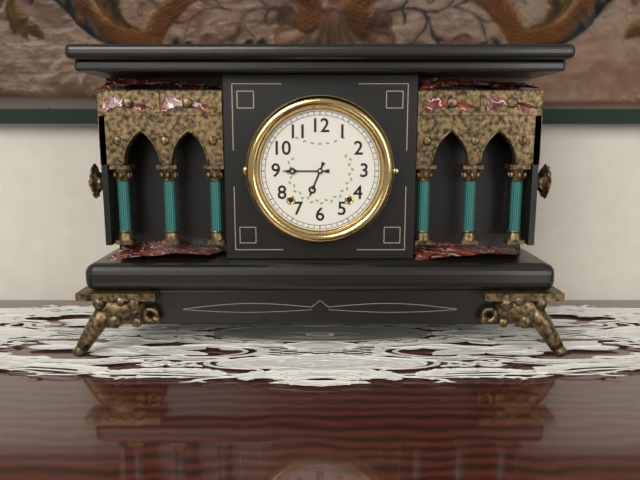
**6:45**
